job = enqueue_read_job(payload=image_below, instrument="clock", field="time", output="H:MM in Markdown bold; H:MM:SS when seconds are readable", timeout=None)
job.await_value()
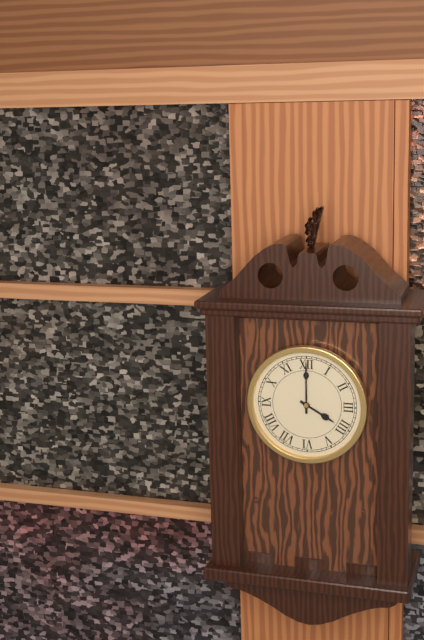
**4:00**
